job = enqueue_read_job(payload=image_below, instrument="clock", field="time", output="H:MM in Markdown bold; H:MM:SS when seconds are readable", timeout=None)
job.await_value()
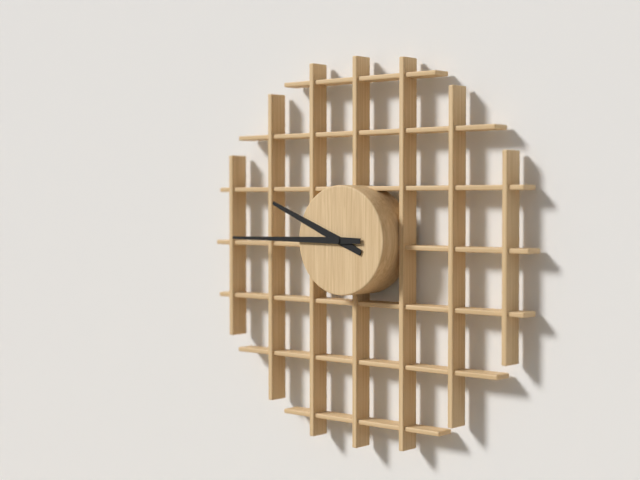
**9:45**
